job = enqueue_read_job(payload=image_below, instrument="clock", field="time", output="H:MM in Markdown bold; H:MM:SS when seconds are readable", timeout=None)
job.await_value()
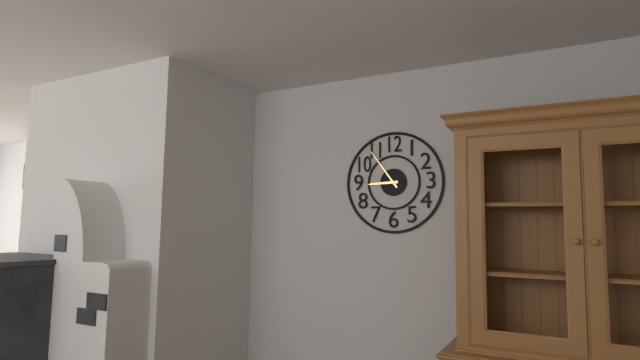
**8:54**
